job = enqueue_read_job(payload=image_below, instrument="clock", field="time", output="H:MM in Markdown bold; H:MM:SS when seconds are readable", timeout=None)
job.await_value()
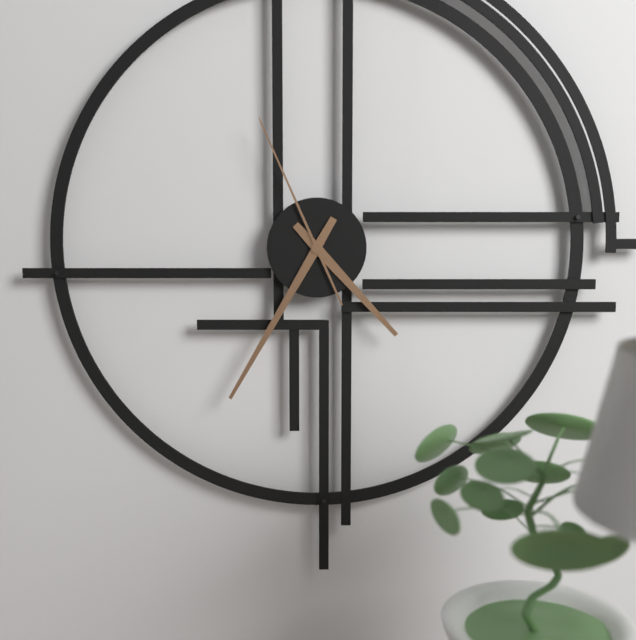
**4:35:56**
